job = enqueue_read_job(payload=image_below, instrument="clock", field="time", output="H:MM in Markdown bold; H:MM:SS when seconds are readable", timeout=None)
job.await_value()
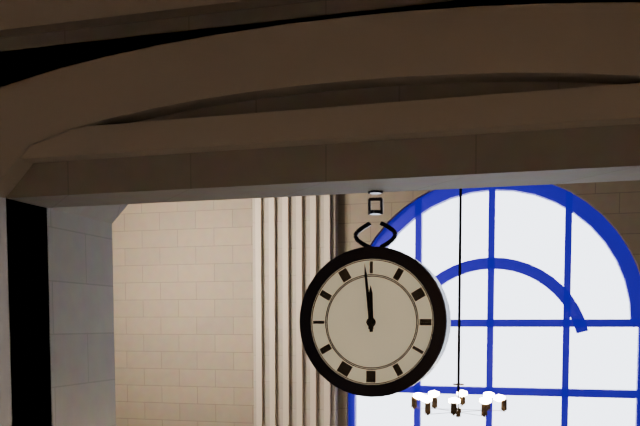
**11:59**
